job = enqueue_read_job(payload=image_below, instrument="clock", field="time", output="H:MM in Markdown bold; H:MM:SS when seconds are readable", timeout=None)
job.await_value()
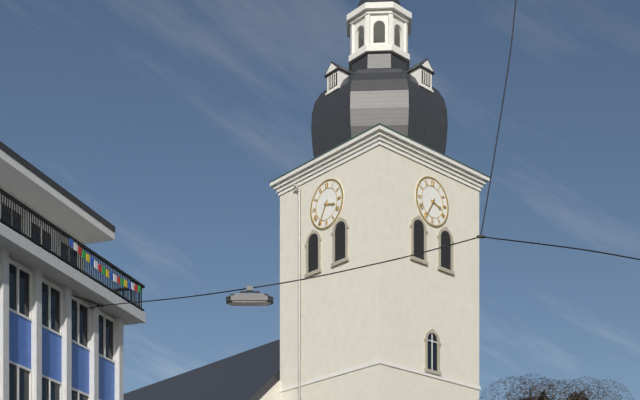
**3:35**
